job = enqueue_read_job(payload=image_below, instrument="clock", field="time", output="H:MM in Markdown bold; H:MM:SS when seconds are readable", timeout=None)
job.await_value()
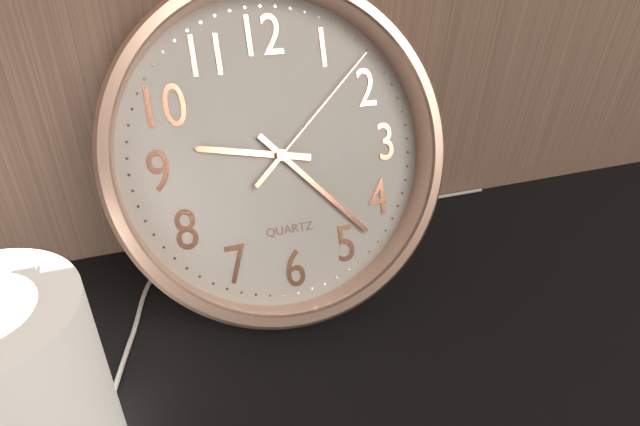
**9:23:08**
